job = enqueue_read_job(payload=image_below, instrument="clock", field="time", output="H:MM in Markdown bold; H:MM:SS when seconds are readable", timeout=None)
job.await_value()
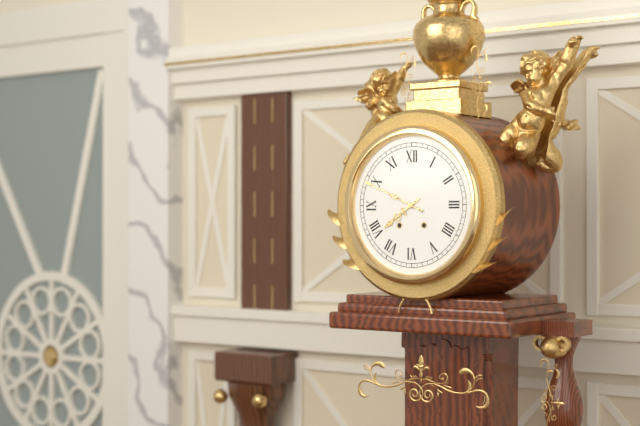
**7:49**
